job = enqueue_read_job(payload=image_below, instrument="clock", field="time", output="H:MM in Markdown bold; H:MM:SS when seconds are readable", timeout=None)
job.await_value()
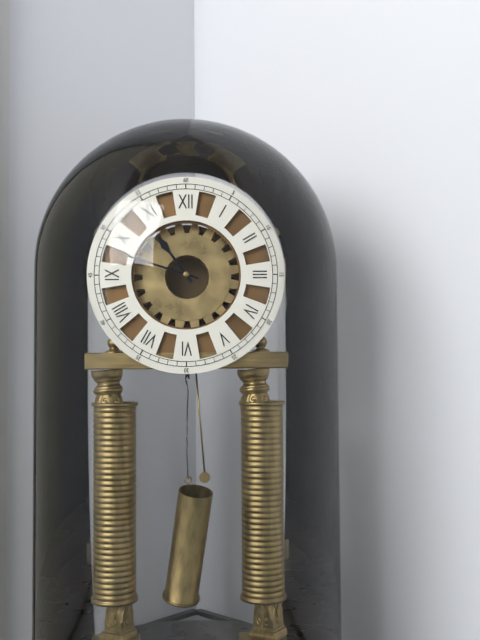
**10:48**
